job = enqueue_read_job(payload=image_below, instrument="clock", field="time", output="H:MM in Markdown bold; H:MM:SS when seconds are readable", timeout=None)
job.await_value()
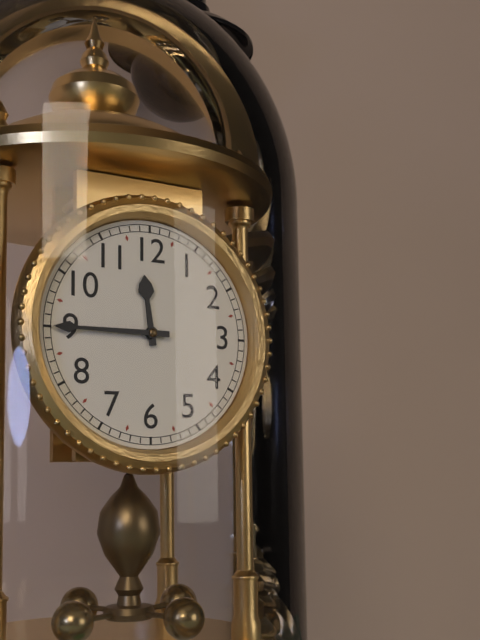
**11:45**
